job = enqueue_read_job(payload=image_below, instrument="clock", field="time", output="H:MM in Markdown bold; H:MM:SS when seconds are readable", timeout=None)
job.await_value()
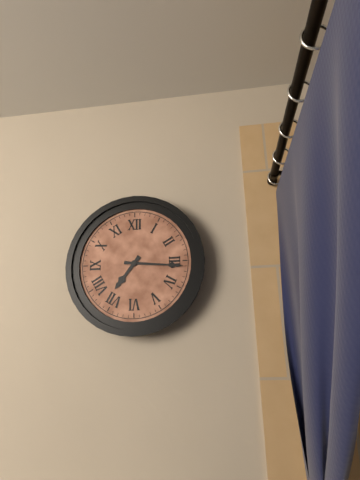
**7:16**
